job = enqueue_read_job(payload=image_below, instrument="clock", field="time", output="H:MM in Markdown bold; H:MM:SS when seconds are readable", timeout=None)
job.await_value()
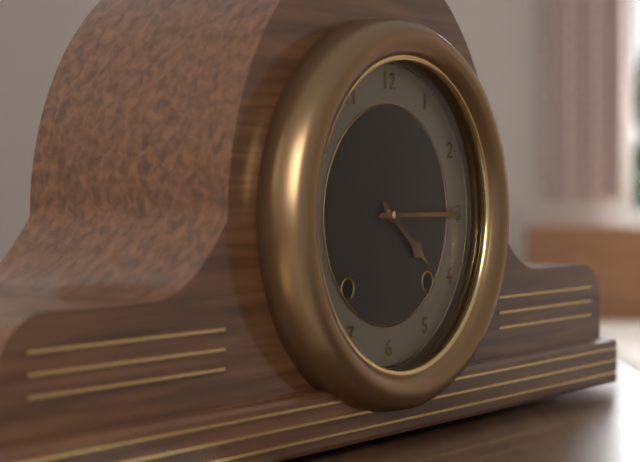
**4:15**
